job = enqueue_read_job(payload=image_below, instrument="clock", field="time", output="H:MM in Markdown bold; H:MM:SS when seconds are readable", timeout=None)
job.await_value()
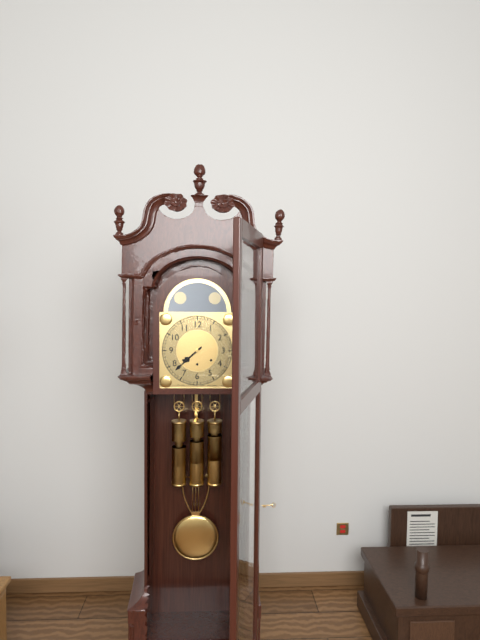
**7:38**
